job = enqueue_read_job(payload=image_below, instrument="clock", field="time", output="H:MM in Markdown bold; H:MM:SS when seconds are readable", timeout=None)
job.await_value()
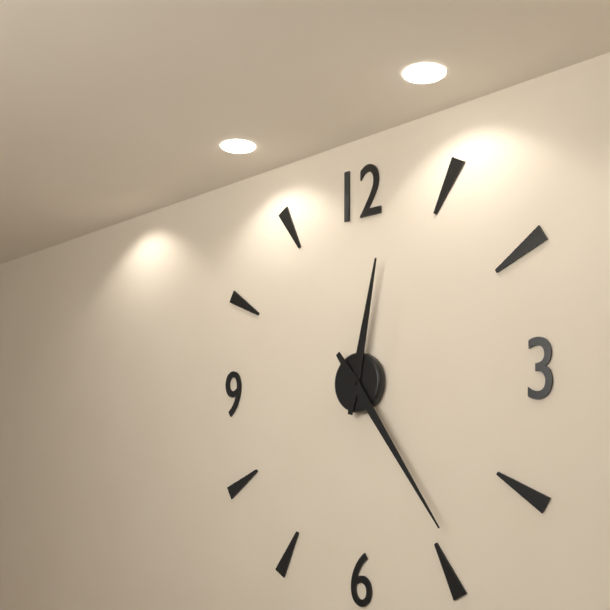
**12:24**
